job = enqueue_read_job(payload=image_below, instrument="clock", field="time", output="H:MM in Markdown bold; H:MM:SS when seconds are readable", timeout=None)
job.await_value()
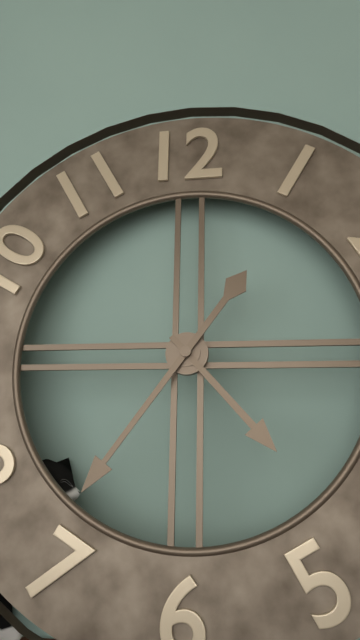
**4:36**
